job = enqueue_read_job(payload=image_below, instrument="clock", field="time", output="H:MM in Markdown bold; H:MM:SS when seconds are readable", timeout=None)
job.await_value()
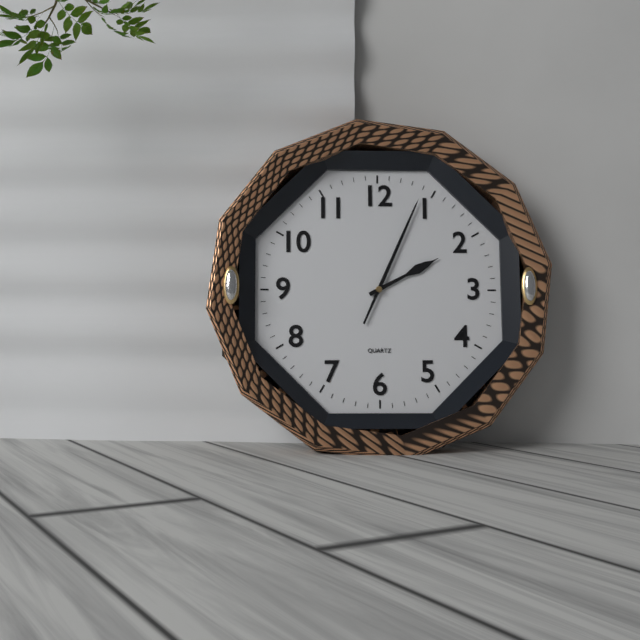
**2:04**
